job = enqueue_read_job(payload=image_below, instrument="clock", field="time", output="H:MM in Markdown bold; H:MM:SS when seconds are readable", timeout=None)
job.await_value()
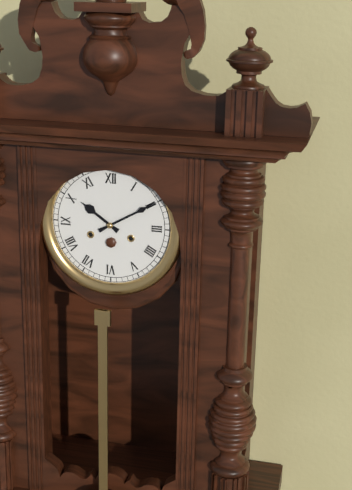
**10:10**
